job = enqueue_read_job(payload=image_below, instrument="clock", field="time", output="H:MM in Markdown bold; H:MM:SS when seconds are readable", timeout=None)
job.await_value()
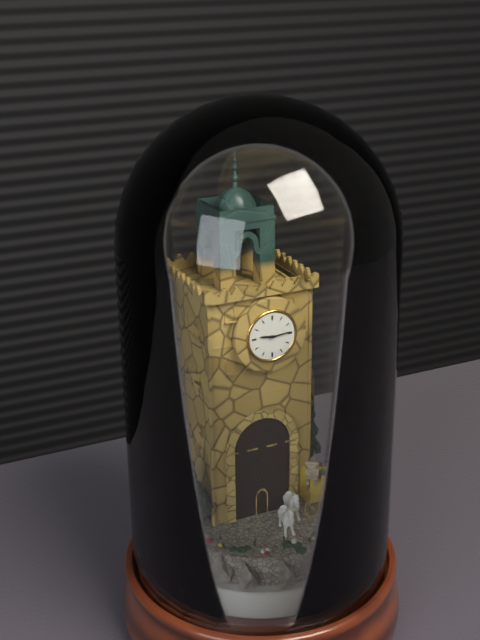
**9:14**
